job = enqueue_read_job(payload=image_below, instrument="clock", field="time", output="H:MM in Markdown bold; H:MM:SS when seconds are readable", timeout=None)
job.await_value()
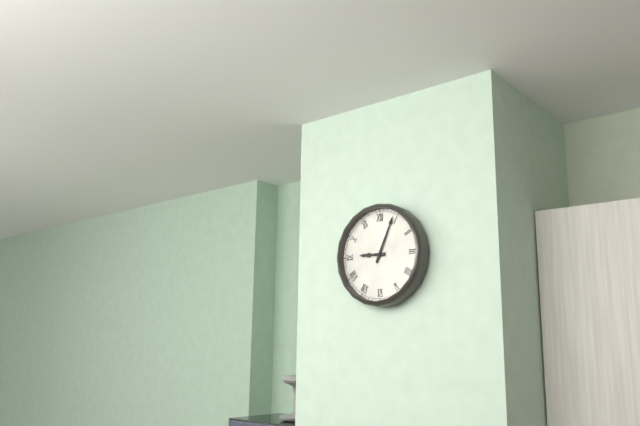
**9:04**
